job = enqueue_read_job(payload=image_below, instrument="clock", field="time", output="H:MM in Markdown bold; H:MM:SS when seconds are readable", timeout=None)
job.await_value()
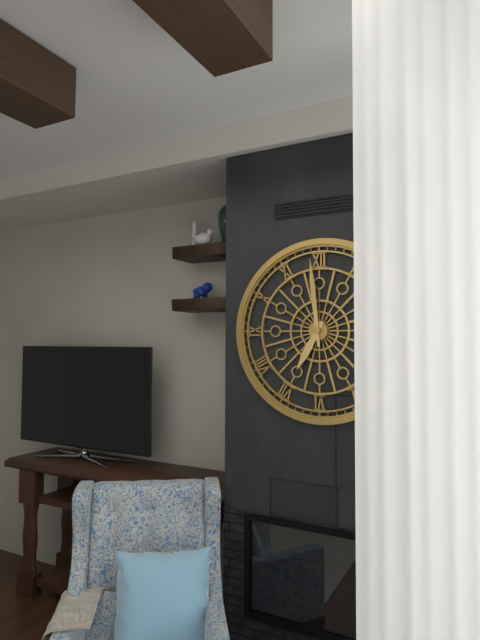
**6:59**
